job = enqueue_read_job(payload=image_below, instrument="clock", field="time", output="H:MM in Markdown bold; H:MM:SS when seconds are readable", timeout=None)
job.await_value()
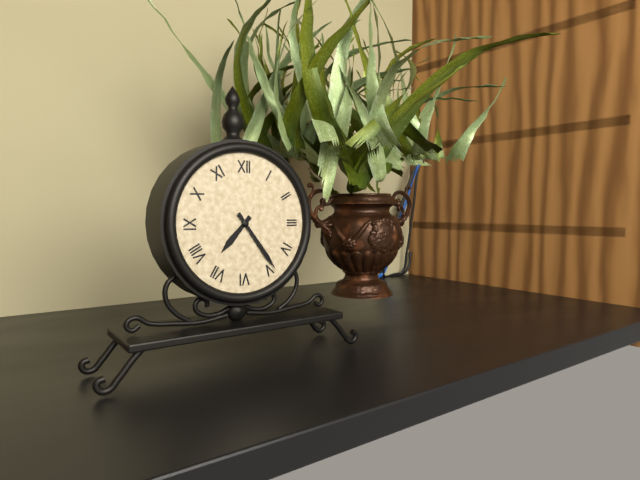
**7:24**
